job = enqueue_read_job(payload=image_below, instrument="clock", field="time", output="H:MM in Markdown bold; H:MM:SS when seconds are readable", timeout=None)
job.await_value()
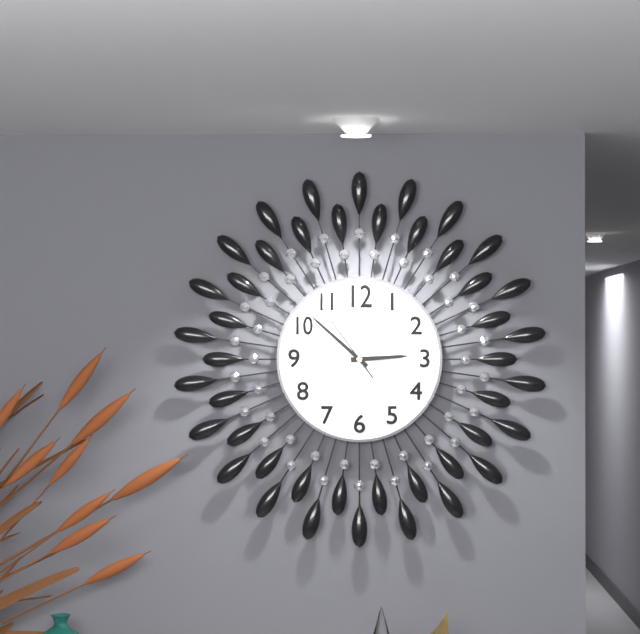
**2:52:54**
